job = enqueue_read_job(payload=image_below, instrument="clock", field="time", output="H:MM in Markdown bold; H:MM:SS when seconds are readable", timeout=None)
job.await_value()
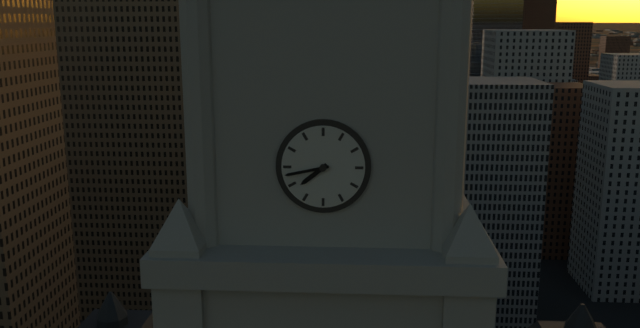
**7:43**
